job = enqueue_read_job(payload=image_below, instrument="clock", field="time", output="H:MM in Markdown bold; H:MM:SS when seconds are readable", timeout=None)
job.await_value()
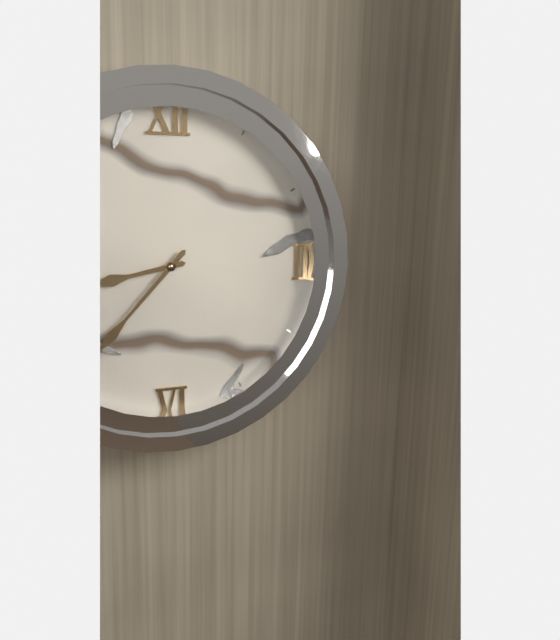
**8:37**
